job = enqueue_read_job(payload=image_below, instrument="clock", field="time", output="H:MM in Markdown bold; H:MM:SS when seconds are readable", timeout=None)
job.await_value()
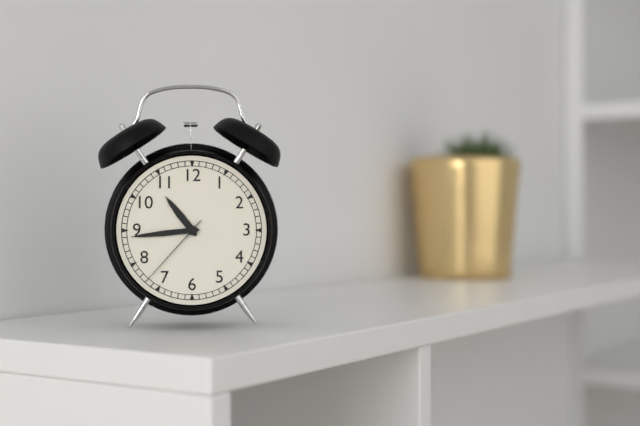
**10:44:37**
